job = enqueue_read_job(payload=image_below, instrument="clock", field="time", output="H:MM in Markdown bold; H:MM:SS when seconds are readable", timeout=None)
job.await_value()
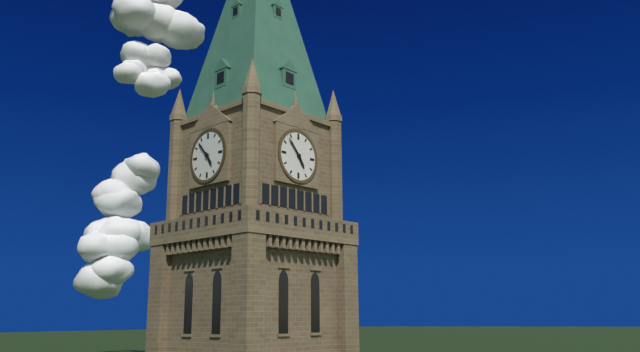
**4:53**
